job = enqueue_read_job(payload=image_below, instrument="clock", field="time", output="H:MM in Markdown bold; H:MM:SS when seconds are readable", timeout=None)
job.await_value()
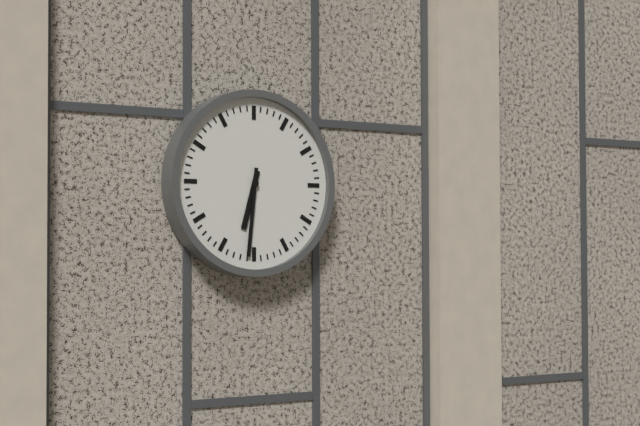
**6:31**
